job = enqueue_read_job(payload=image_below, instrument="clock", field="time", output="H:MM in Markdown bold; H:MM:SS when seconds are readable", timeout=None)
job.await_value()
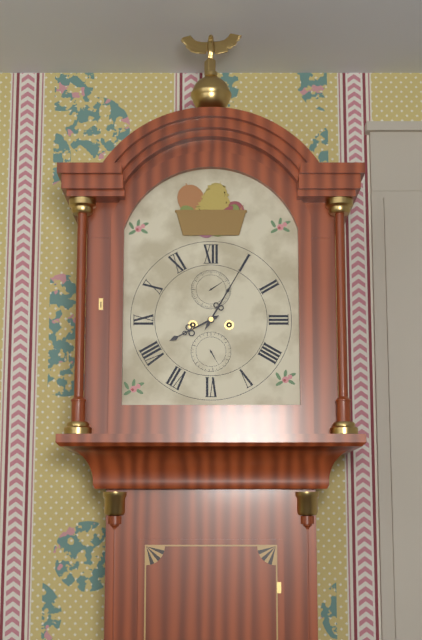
**8:05**
